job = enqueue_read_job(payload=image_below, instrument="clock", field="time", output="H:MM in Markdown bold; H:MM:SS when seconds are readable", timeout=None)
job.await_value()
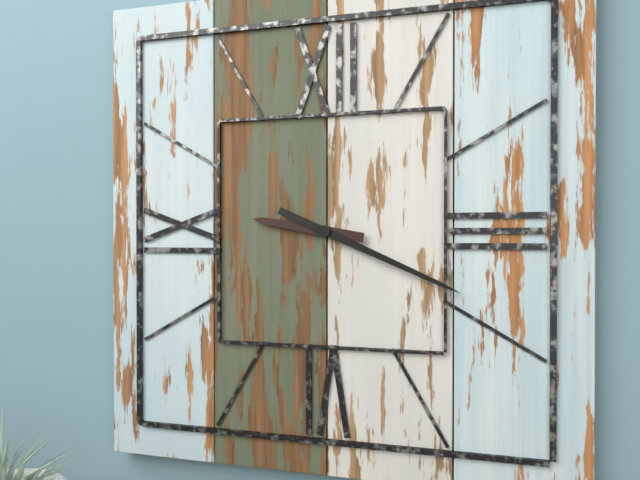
**9:19**
